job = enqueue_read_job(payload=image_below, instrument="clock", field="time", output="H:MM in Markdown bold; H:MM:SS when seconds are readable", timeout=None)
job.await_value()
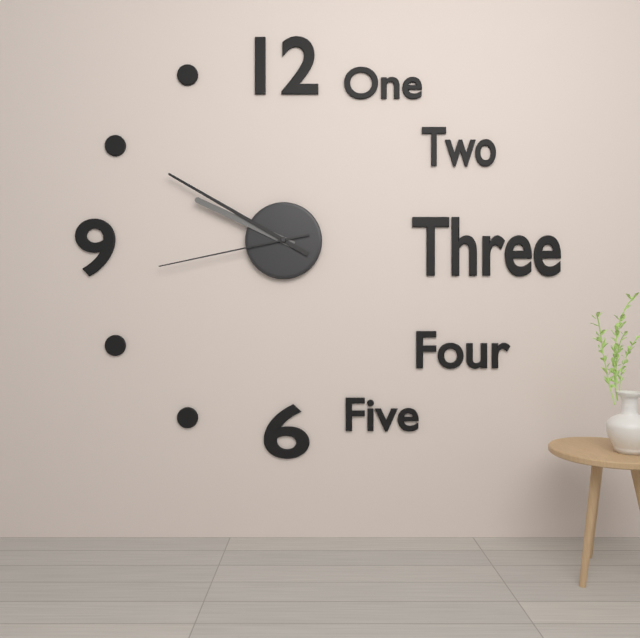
**9:50:43**
